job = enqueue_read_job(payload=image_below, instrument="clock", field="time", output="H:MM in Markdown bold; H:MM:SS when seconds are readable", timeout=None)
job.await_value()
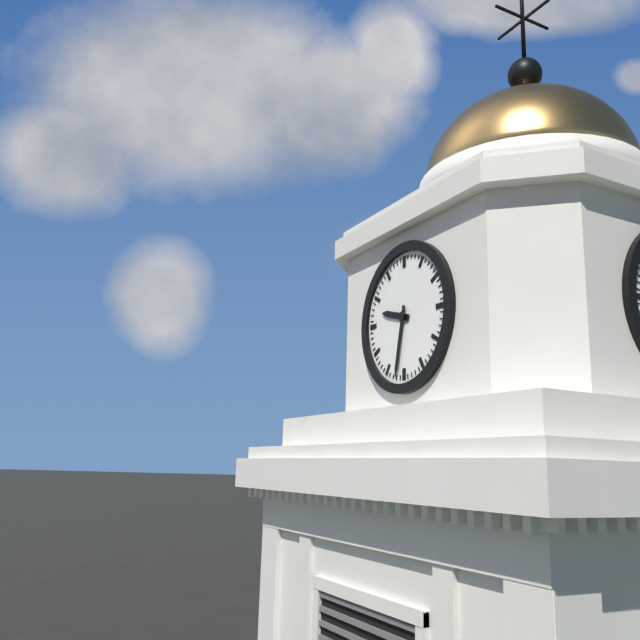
**9:32**
